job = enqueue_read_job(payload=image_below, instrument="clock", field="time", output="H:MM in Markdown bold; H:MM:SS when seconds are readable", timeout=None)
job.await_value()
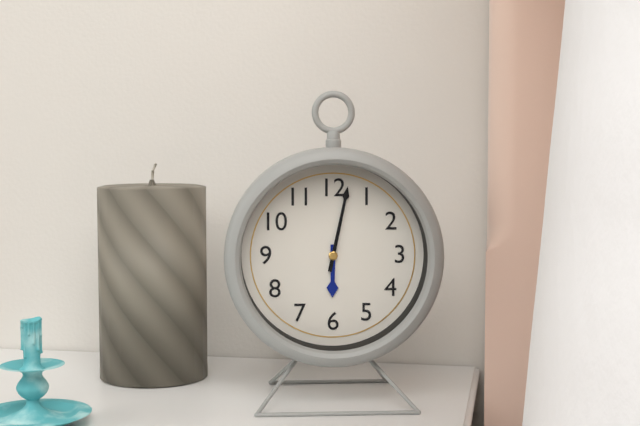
**6:02**
